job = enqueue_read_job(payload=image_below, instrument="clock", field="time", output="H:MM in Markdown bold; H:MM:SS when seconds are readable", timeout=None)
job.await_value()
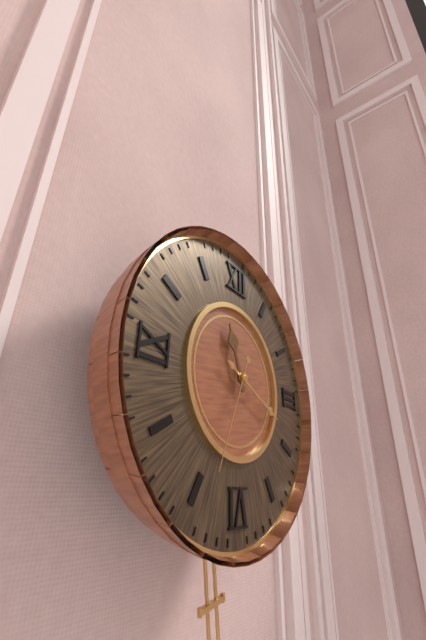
**11:19:34**
